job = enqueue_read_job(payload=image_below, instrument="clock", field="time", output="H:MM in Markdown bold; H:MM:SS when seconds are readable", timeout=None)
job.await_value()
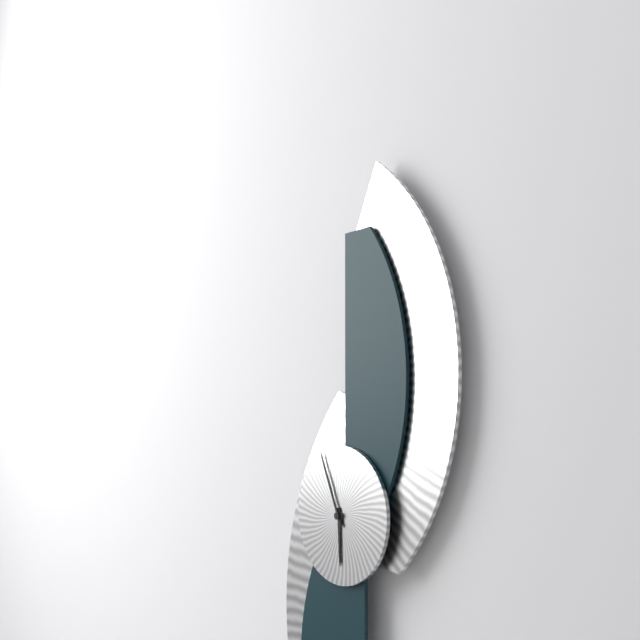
**5:56**
